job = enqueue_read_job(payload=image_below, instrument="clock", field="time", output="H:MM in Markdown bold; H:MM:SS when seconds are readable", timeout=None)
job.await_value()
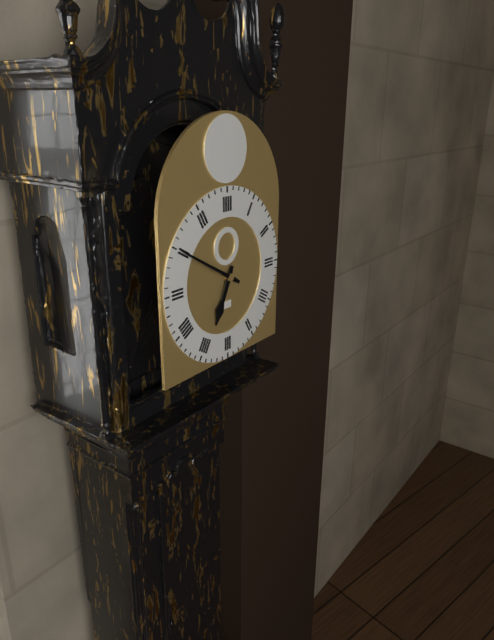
**6:50**
